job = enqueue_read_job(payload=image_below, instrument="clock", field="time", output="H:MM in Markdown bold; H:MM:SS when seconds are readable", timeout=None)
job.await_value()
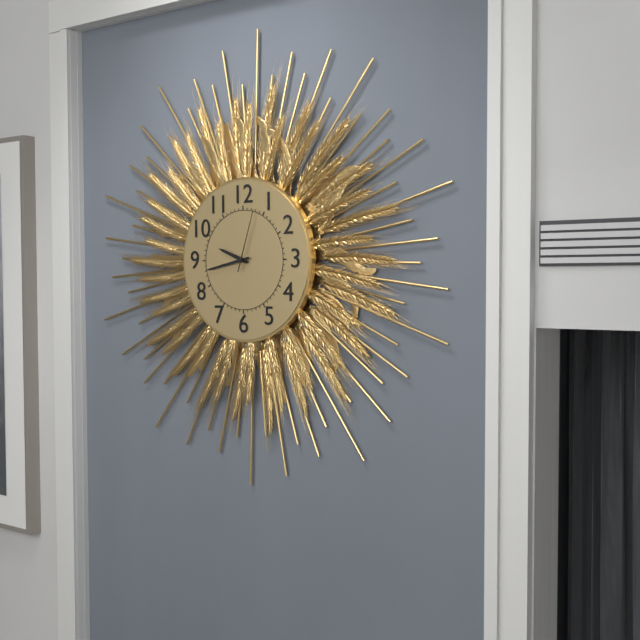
**9:43:03**
